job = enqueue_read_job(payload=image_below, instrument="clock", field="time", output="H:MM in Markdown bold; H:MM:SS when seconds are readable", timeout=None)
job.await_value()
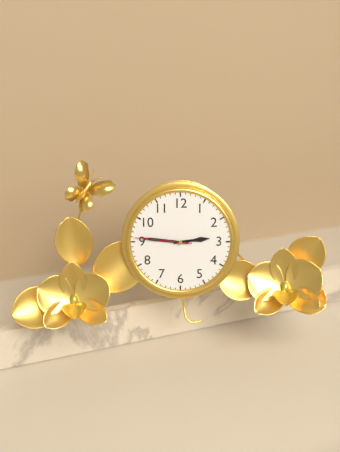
**2:46:46**
